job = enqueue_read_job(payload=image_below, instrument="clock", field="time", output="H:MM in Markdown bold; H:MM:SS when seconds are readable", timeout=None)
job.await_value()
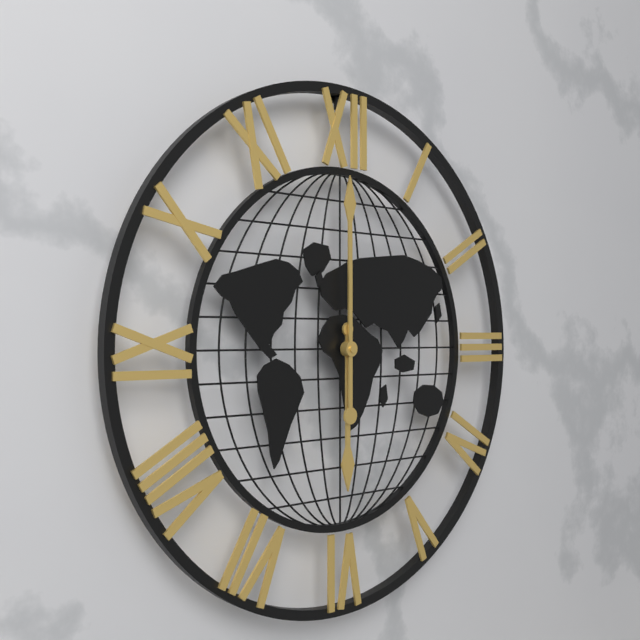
**6:00**
